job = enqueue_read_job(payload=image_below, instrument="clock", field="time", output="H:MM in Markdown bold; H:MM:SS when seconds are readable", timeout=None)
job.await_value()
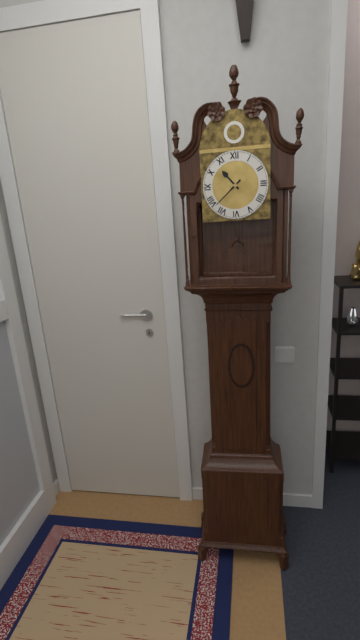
**10:38**
